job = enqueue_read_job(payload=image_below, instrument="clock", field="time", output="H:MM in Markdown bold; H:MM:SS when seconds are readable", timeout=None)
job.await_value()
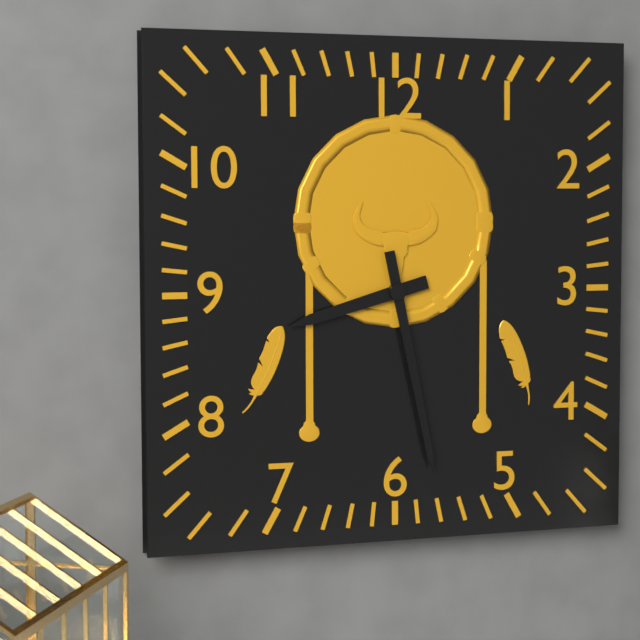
**8:28**
